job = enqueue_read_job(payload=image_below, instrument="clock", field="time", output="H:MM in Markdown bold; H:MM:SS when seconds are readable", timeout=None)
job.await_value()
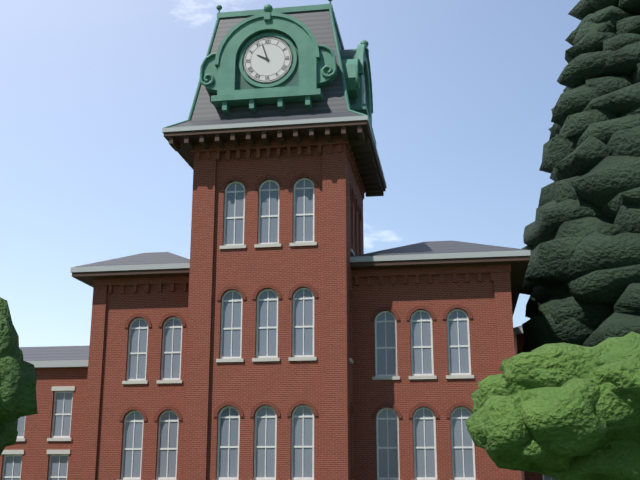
**9:57**
